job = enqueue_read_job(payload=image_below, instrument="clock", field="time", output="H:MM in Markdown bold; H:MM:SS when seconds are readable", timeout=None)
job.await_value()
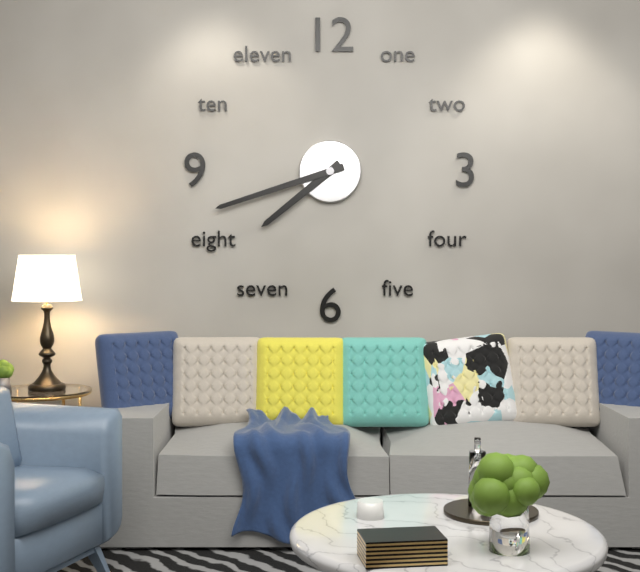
**7:42**
